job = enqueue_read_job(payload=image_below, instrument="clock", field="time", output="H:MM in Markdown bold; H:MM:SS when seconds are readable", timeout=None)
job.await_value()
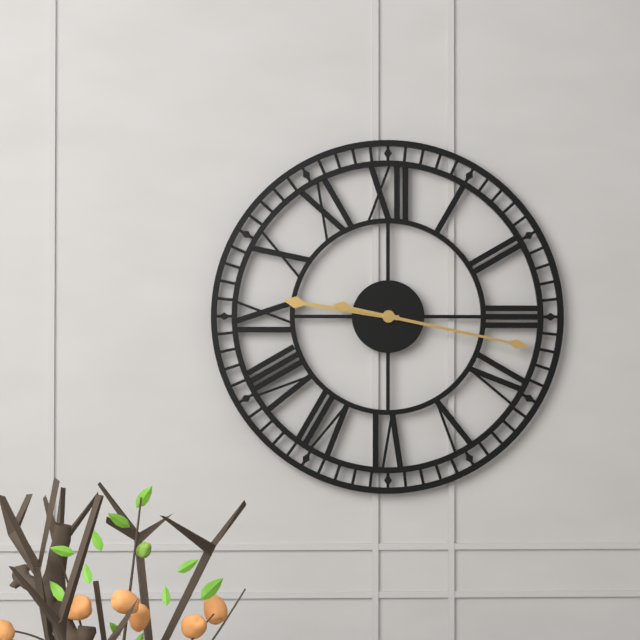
**9:17**
